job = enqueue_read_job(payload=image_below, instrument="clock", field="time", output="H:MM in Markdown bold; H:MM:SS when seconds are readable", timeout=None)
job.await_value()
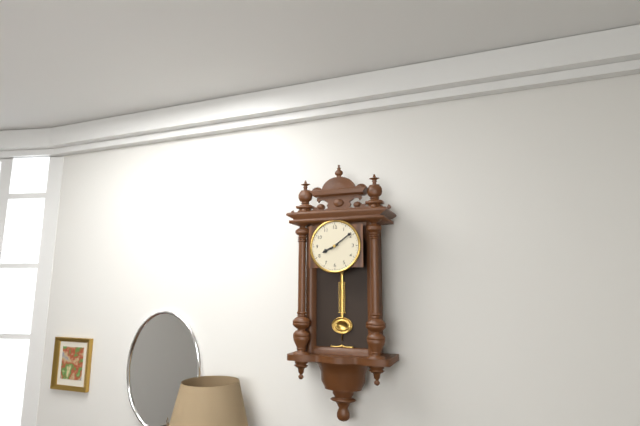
**8:09**
